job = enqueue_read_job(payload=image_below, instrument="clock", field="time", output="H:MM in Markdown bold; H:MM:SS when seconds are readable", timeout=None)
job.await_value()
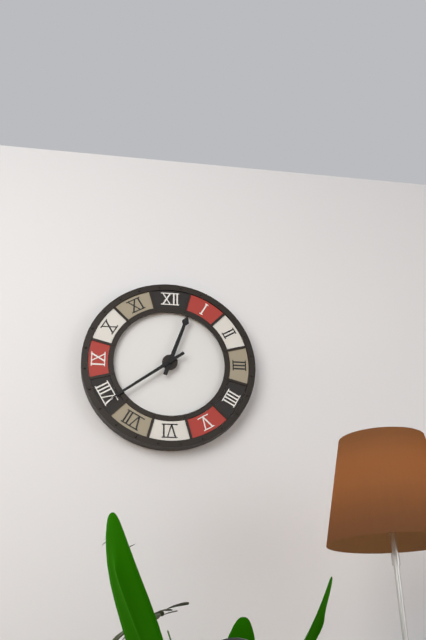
**12:39**
